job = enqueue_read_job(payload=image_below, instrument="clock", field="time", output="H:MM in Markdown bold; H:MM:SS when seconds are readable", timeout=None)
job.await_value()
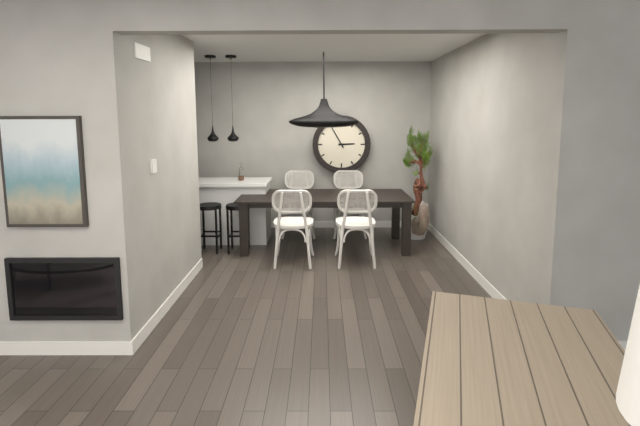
**2:55**
